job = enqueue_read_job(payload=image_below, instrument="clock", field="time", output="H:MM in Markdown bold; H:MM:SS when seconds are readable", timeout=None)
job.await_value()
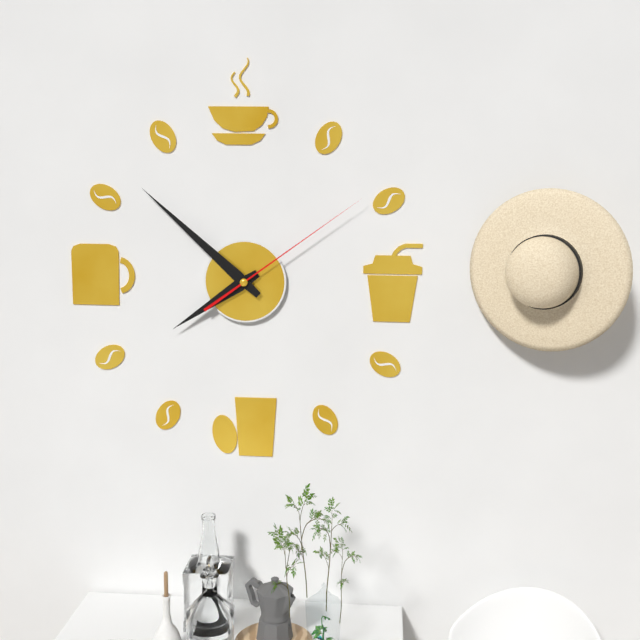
**7:52:09**
